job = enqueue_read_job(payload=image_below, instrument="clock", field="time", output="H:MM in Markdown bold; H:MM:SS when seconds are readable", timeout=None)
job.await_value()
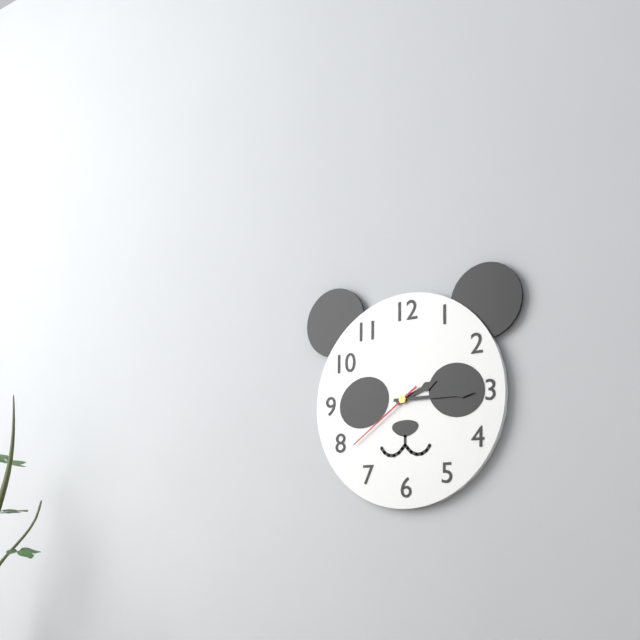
**2:15:39**
